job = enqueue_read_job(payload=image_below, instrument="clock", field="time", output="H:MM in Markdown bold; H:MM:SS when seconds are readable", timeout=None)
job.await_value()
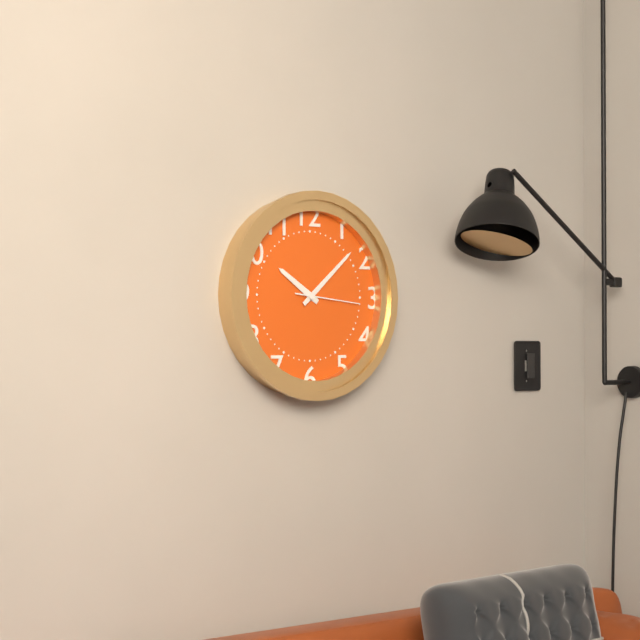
**10:08:16**
